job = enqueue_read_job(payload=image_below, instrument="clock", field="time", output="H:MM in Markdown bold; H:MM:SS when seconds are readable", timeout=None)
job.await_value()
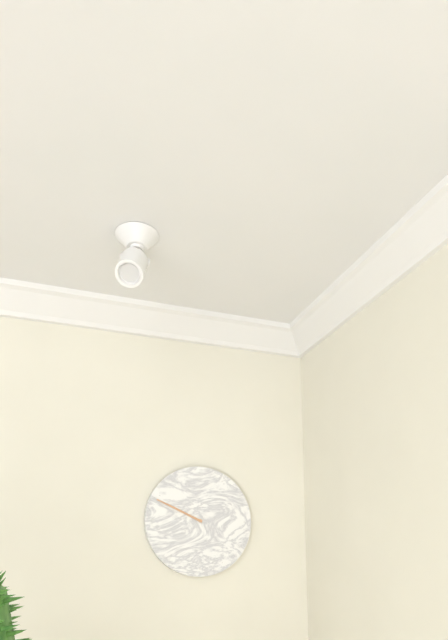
**9:49**
